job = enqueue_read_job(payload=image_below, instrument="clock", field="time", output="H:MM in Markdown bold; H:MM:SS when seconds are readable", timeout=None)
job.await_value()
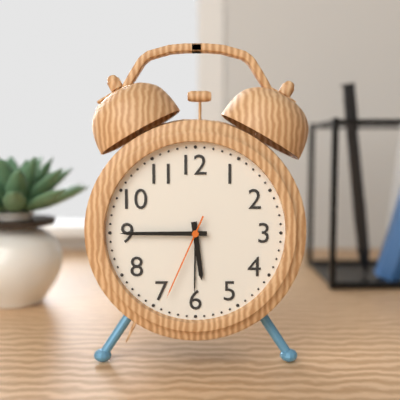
**5:45:34**
